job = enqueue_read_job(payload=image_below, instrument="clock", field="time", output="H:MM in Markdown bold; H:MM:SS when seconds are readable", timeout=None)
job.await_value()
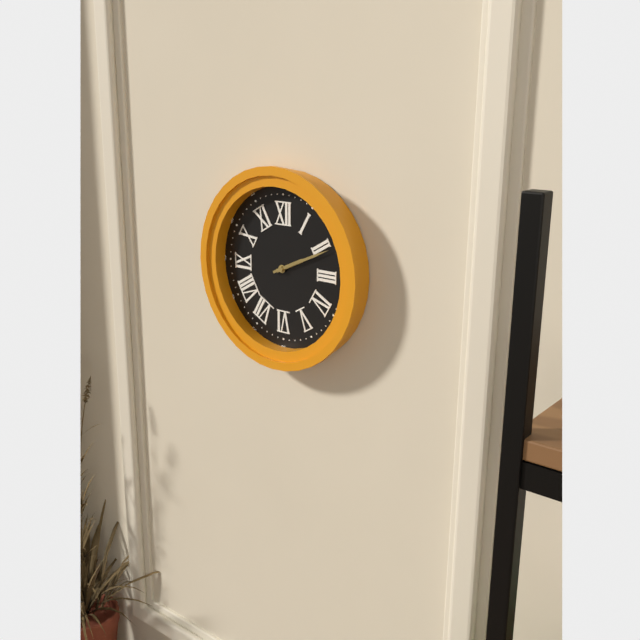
**2:11**
